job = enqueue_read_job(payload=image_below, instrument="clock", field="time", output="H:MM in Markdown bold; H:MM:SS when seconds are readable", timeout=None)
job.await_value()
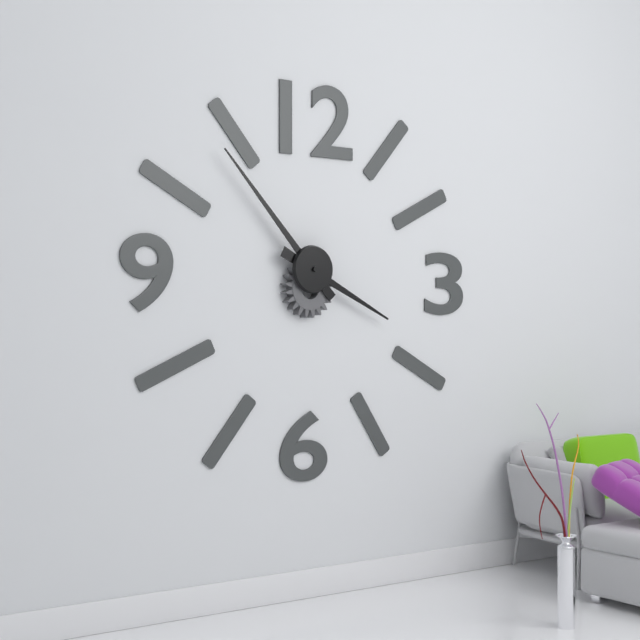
**3:53**
